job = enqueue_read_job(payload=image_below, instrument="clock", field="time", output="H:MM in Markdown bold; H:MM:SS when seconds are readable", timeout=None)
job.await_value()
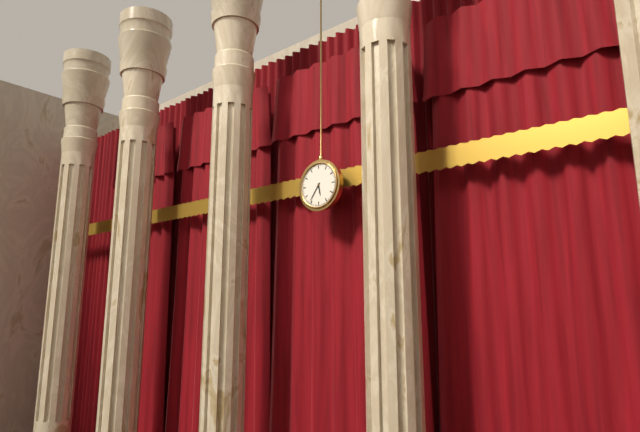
**5:36**
